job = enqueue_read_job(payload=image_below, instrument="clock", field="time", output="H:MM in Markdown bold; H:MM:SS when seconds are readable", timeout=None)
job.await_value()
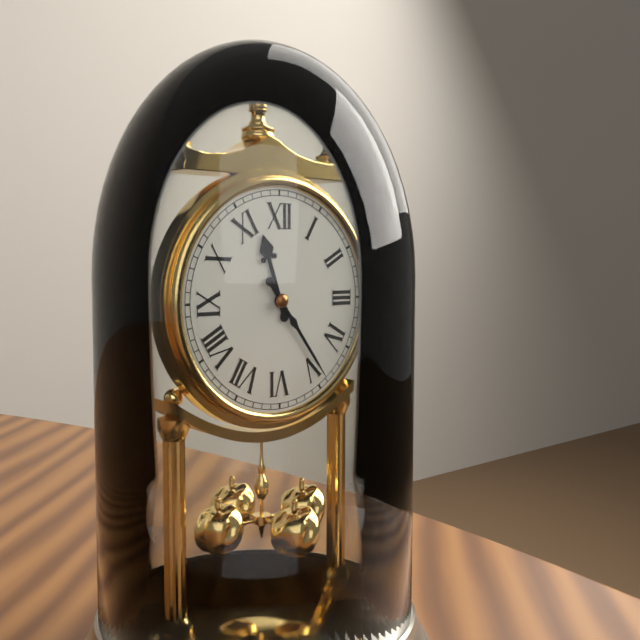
**11:24**
